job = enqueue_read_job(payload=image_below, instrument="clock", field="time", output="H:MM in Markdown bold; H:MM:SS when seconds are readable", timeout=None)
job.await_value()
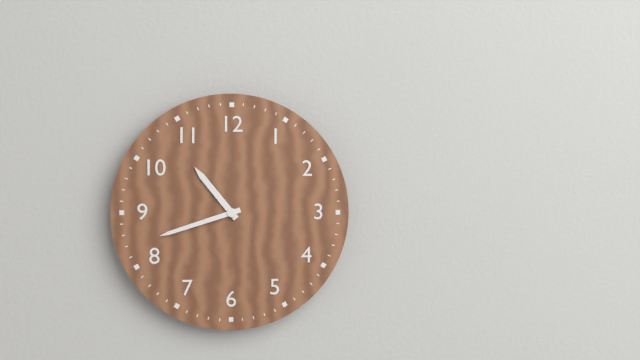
**10:42**
